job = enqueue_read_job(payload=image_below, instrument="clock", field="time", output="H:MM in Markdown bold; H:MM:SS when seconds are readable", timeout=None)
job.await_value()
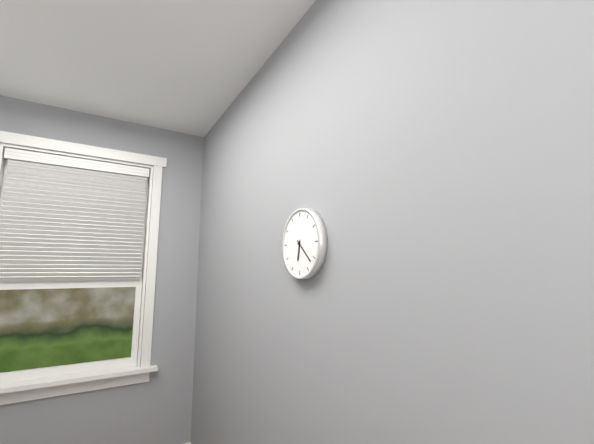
**6:22**
